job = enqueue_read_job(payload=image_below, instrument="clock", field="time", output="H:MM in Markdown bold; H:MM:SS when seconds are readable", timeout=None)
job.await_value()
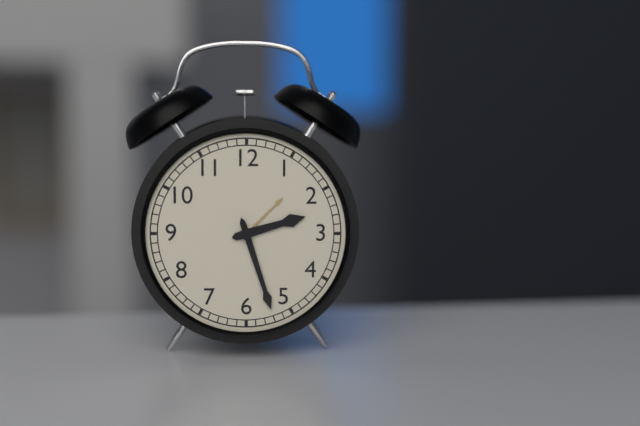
**2:27**
